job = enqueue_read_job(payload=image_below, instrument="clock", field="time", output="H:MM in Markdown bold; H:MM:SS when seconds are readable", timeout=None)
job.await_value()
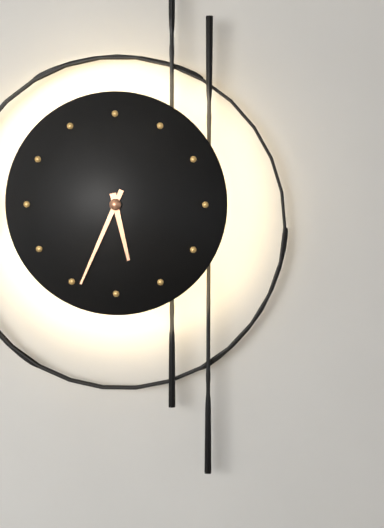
**5:34**
